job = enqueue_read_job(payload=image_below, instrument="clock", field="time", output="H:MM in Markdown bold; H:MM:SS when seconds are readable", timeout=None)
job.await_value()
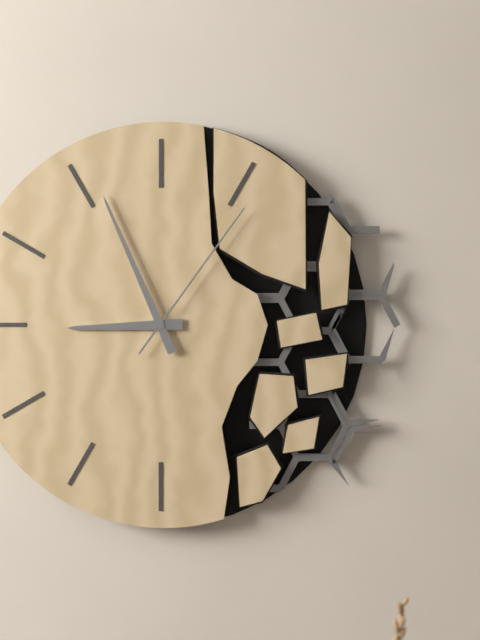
**8:56:06**
